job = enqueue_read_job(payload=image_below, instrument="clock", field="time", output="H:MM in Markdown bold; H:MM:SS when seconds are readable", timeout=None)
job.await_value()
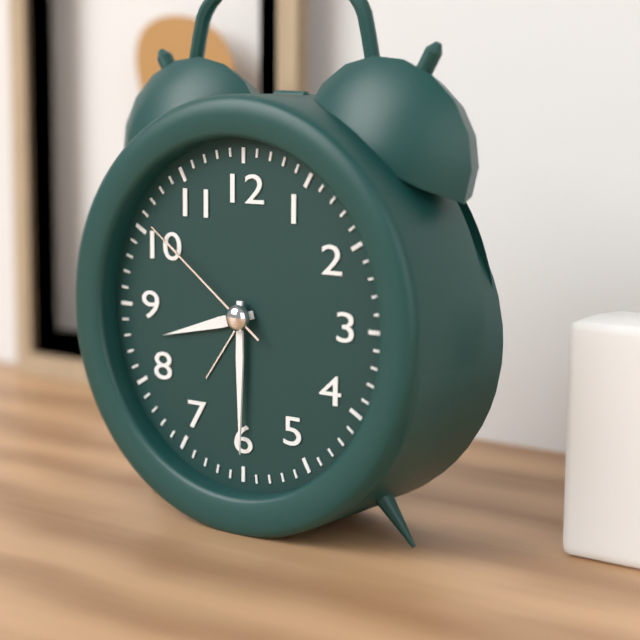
**8:30:51**
